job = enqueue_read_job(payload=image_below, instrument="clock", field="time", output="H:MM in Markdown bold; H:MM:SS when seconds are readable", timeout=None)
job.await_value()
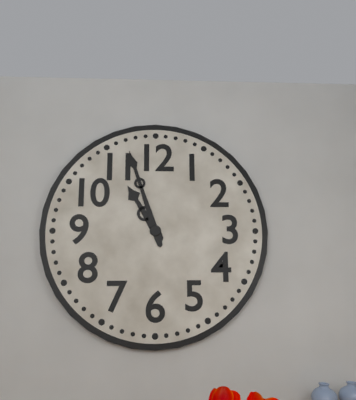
**10:57**
